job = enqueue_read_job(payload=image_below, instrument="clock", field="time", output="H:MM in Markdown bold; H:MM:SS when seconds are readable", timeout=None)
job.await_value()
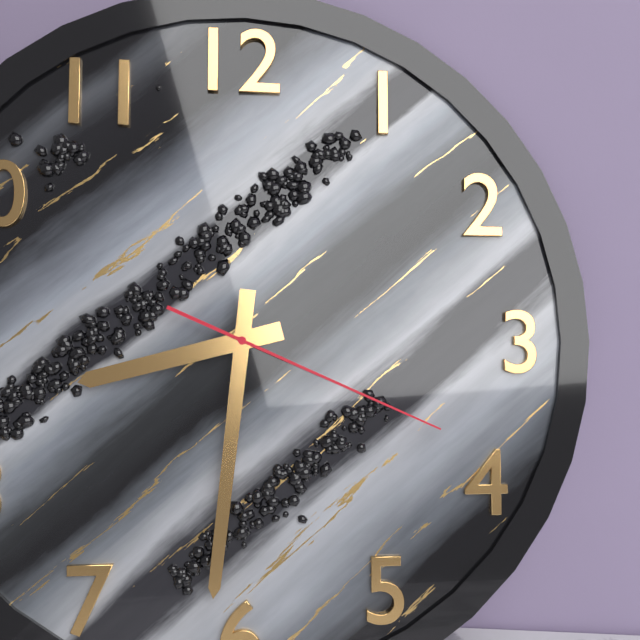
**8:31:19**
